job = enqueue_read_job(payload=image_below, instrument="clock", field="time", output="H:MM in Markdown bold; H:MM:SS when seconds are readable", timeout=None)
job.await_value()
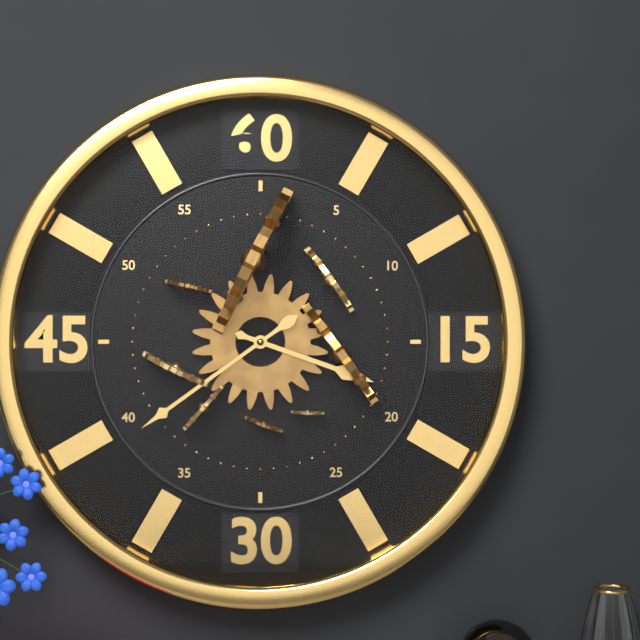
**3:39**
